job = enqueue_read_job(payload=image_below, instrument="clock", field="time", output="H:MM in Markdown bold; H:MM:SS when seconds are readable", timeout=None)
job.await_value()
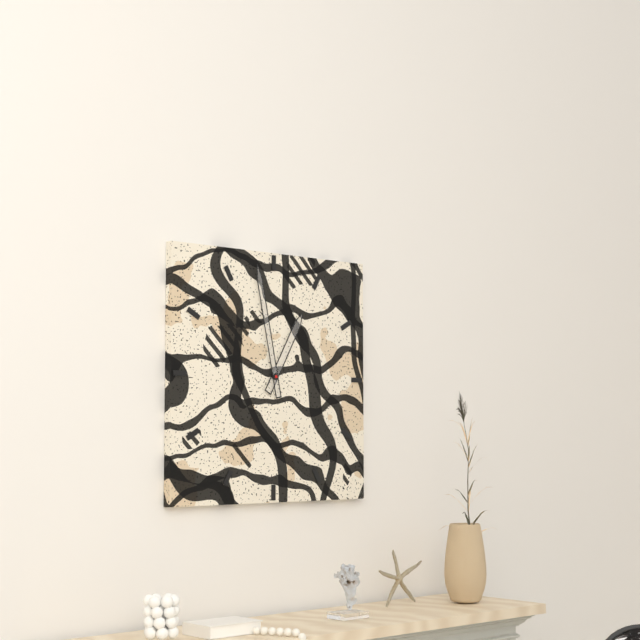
**12:58**
